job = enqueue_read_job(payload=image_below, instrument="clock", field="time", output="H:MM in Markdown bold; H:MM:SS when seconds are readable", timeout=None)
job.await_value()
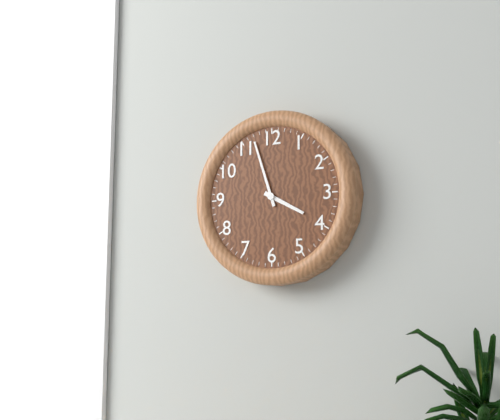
**3:57**
